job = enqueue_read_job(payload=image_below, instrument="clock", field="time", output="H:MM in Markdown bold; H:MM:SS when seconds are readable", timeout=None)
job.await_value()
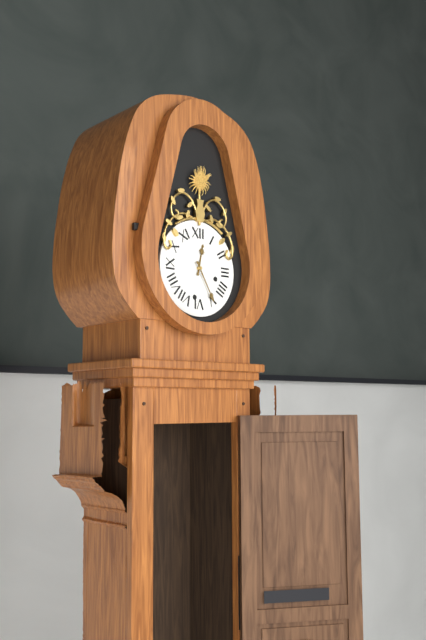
**12:25**
